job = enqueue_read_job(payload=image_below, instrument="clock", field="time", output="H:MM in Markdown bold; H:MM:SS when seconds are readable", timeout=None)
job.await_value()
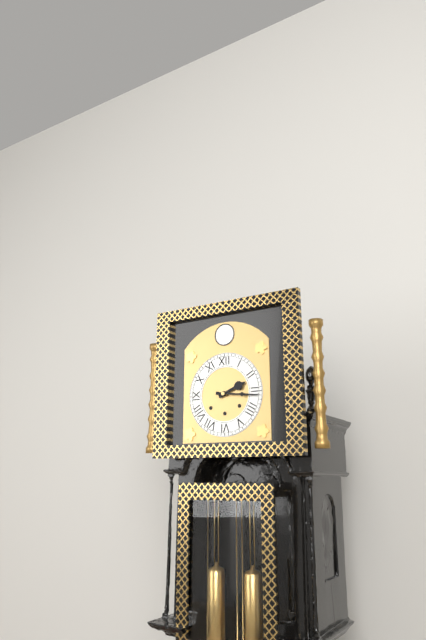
**2:16**
